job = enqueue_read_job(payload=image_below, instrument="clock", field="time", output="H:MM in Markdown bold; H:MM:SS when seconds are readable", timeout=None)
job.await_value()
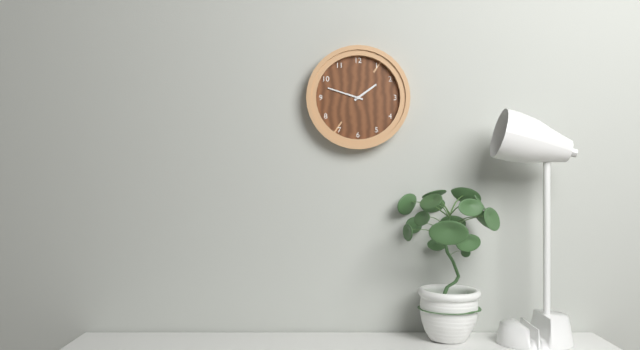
**1:48**
